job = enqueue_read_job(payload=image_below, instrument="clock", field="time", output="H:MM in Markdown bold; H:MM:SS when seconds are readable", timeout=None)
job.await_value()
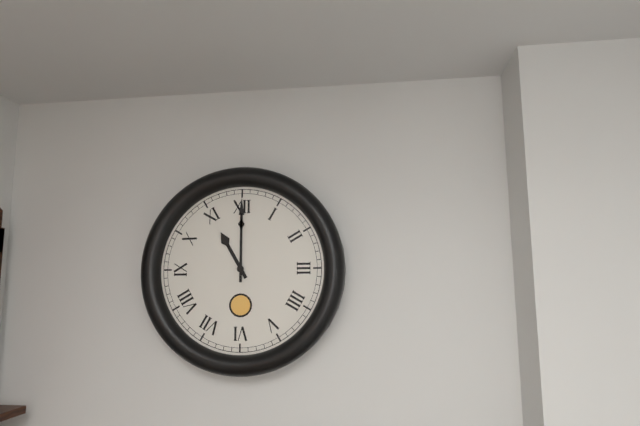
**11:00**
